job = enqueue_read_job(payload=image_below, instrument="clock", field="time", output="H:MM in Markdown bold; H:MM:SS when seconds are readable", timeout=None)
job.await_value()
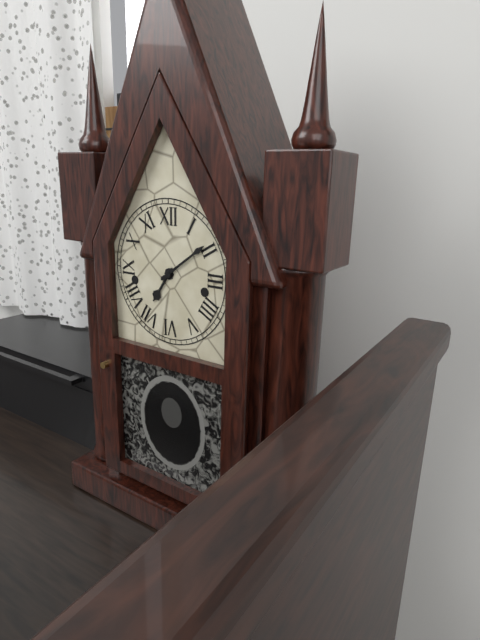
**7:09**
